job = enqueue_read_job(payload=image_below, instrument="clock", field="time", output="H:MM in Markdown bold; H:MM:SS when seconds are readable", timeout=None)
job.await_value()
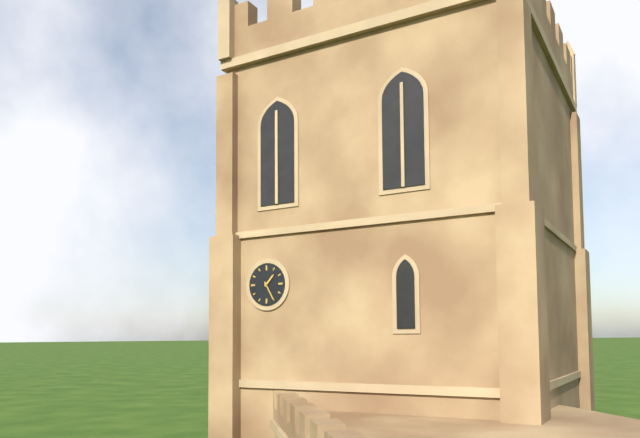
**1:25**
